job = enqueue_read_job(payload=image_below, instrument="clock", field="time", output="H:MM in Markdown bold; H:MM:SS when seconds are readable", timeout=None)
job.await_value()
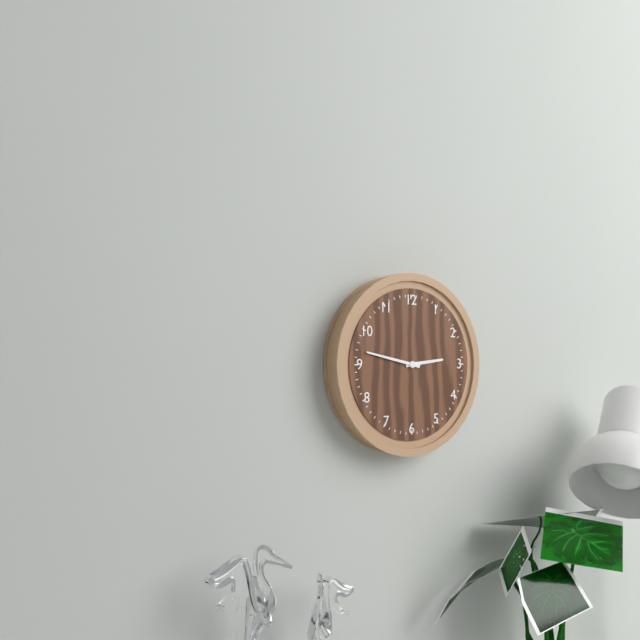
**2:47**
